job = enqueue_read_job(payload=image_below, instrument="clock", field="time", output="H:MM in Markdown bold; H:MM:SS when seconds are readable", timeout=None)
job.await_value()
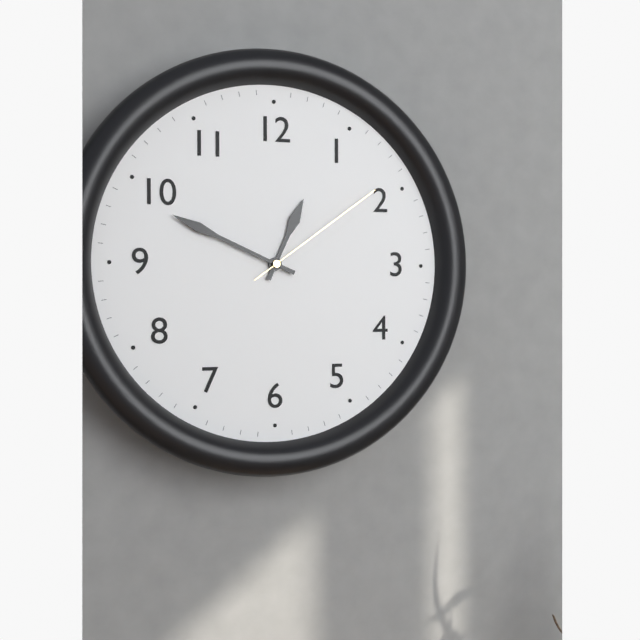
**12:49:09**
